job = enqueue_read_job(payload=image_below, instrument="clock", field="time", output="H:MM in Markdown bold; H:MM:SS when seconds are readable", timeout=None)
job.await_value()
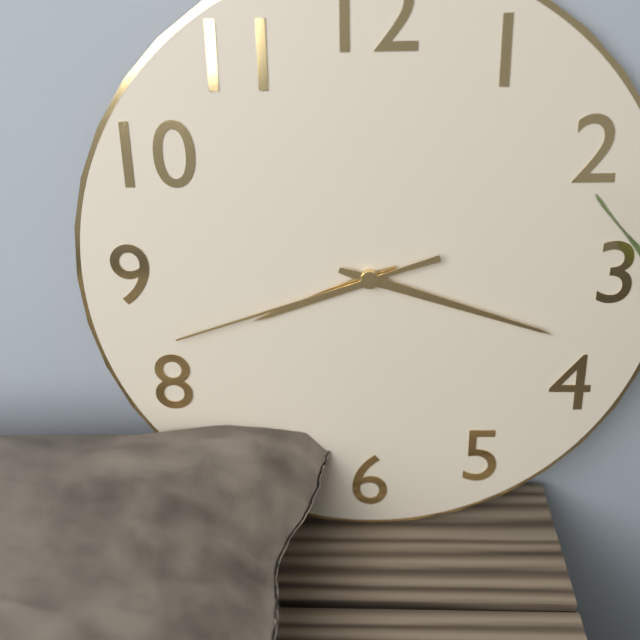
**8:18:42**
